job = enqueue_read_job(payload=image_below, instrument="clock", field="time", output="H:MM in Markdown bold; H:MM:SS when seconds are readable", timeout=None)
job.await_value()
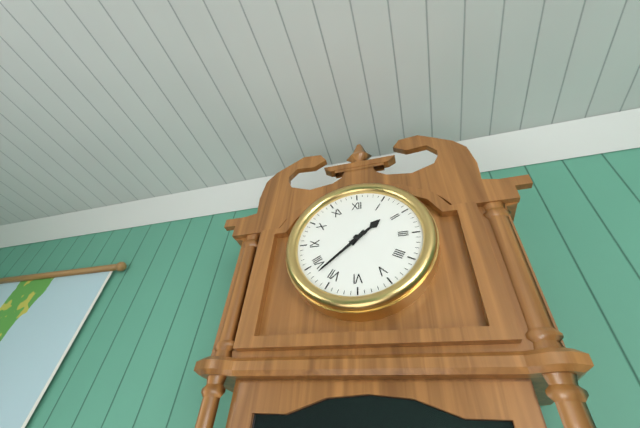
**1:38**
